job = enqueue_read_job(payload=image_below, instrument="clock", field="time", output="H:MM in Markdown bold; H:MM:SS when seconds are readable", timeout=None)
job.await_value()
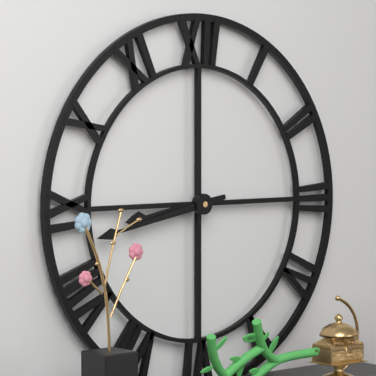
**8:43**
